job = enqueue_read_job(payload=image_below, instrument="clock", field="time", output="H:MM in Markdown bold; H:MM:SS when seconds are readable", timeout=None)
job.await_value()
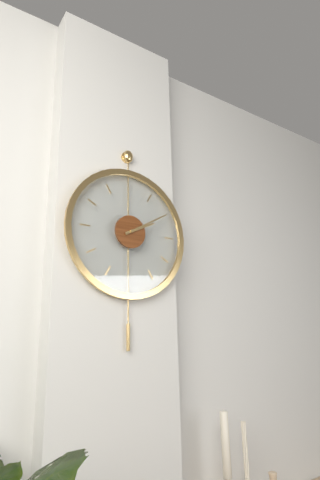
**2:10**
